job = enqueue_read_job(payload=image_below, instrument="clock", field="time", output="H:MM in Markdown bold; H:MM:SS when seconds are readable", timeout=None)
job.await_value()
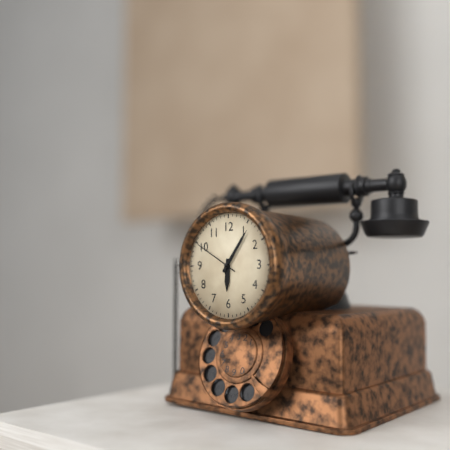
**6:06**
